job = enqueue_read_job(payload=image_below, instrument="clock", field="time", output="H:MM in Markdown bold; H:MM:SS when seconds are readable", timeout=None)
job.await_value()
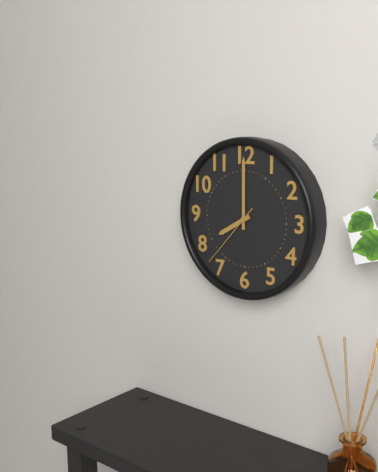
**8:00:37**
